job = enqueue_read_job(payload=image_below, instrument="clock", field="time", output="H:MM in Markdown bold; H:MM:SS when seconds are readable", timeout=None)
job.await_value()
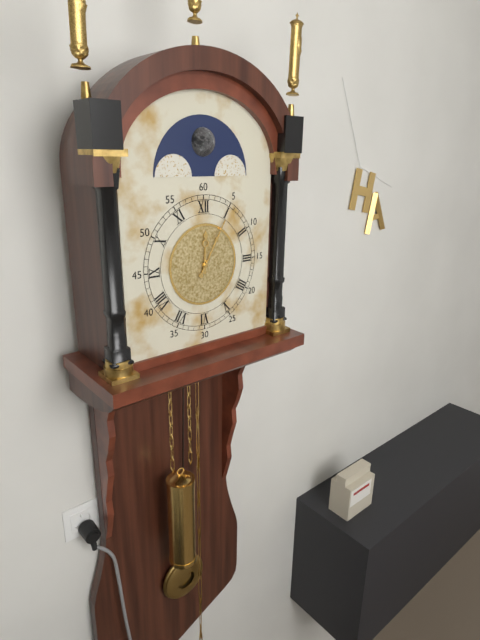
**12:05**
